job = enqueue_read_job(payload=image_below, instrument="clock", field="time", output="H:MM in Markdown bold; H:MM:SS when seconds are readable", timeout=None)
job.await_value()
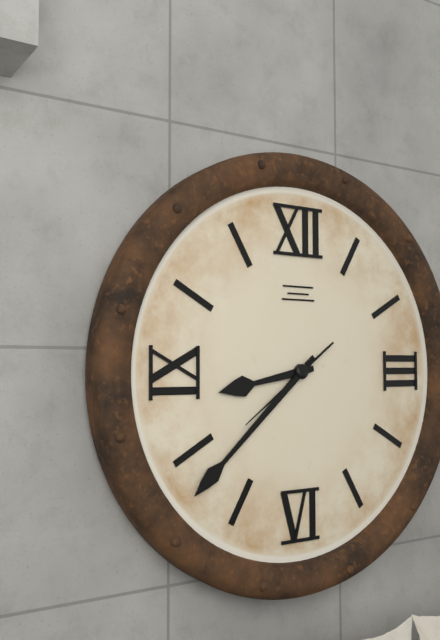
**8:38:39**
